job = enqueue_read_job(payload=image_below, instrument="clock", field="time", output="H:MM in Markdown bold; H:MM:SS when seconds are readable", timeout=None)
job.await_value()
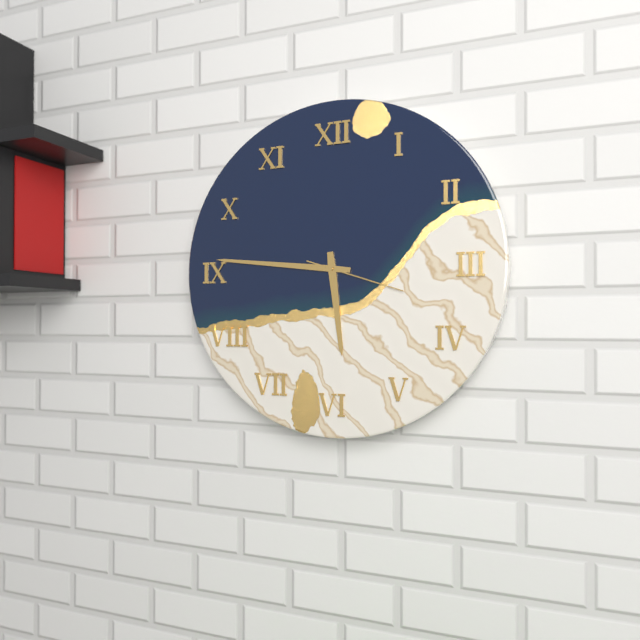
**5:46:18**
